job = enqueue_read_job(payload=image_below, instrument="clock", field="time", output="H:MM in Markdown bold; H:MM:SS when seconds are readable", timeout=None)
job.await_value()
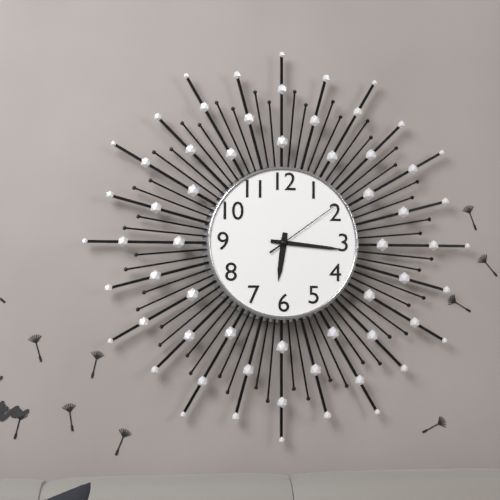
**6:16:09**
